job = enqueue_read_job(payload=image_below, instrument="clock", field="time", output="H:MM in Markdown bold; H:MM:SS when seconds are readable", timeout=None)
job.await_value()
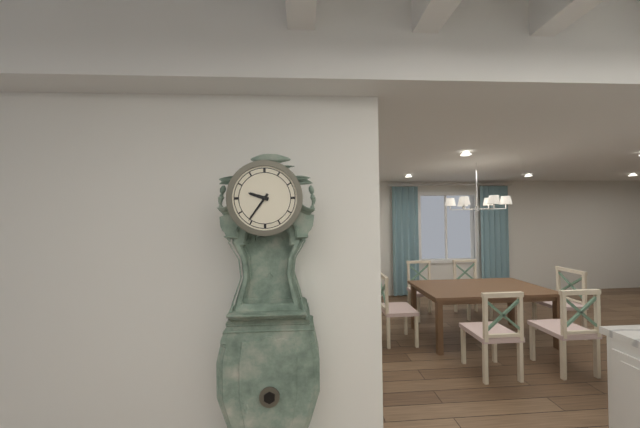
**9:36**
